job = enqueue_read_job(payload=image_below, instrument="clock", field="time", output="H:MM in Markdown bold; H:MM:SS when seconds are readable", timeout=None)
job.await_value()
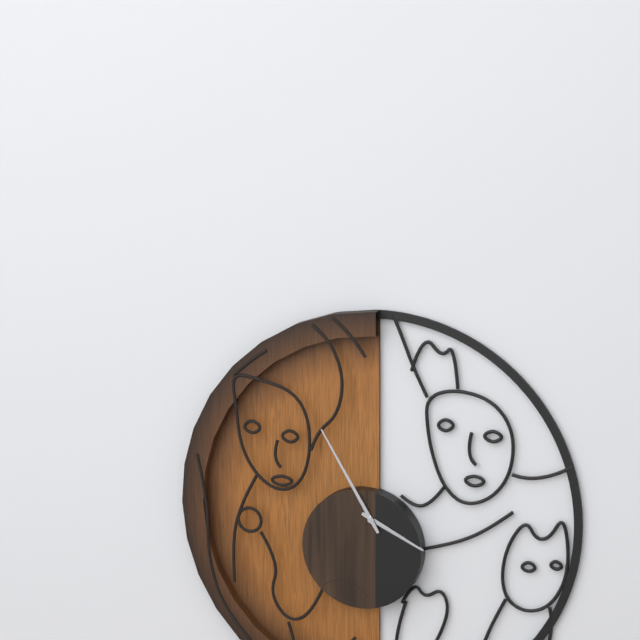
**3:55**
